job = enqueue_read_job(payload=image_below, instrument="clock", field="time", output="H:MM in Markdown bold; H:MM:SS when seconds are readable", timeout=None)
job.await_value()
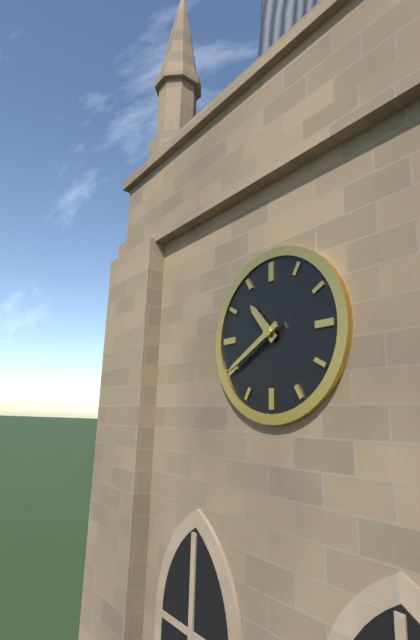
**10:40**
